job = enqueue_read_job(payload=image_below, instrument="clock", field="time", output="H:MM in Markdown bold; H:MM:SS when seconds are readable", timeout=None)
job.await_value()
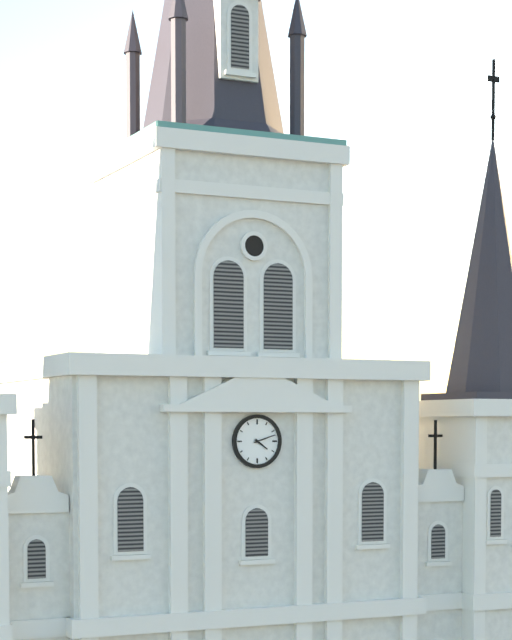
**4:12**
